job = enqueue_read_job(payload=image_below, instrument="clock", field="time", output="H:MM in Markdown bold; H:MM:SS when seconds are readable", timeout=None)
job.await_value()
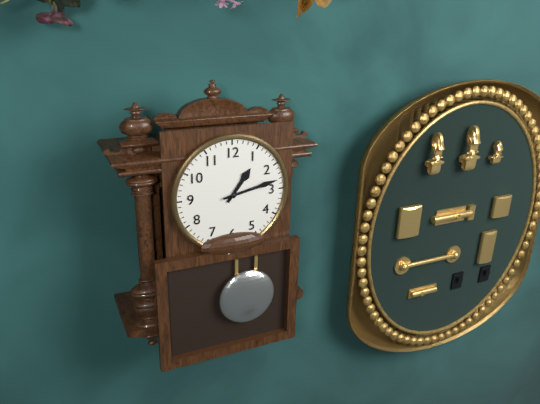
**1:13**
